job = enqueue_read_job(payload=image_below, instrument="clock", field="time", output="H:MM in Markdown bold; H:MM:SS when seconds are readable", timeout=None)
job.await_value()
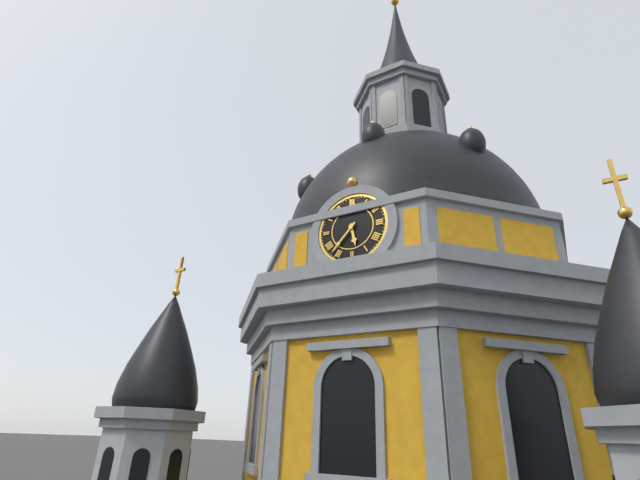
**5:37**
